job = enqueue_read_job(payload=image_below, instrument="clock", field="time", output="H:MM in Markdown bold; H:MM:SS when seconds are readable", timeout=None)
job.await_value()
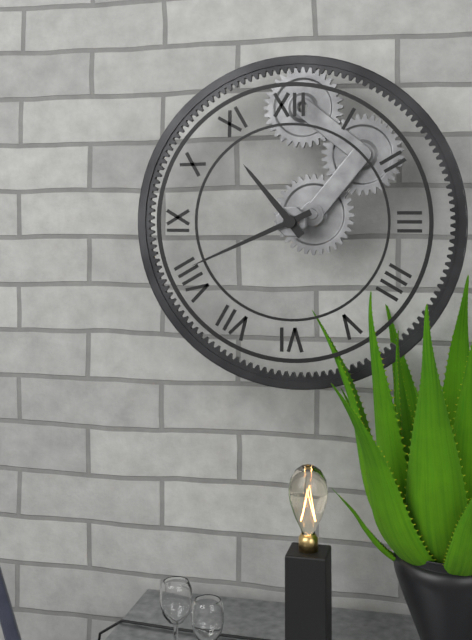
**10:41**
